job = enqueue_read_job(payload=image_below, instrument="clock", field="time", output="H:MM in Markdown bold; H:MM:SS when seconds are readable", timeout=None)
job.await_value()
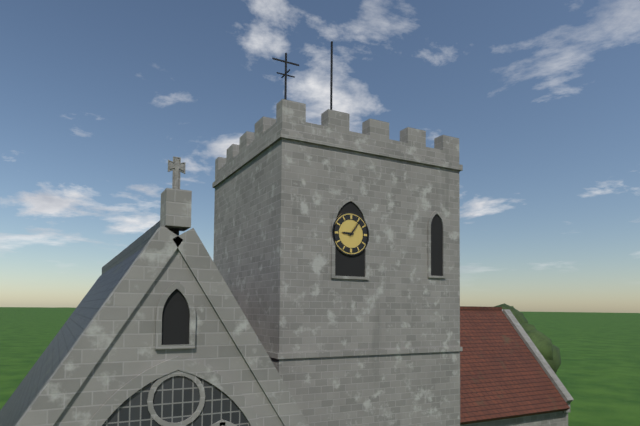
**9:06**
